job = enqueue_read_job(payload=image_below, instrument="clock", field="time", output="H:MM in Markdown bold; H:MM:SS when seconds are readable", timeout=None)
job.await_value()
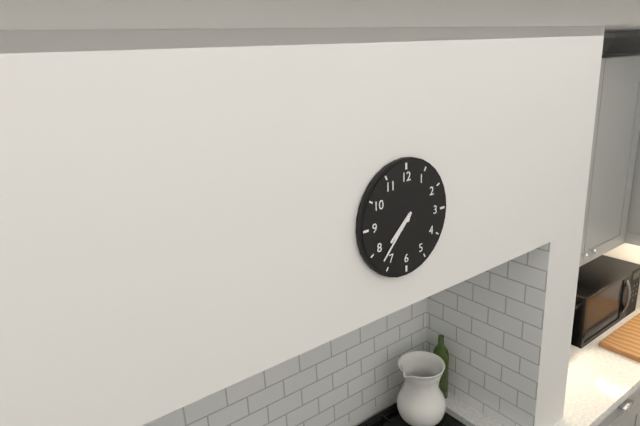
**7:37**
